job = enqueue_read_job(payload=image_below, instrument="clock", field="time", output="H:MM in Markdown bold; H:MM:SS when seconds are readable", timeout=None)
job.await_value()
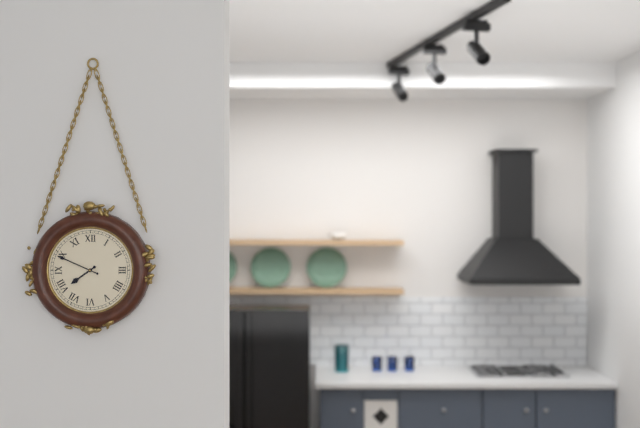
**7:49**
